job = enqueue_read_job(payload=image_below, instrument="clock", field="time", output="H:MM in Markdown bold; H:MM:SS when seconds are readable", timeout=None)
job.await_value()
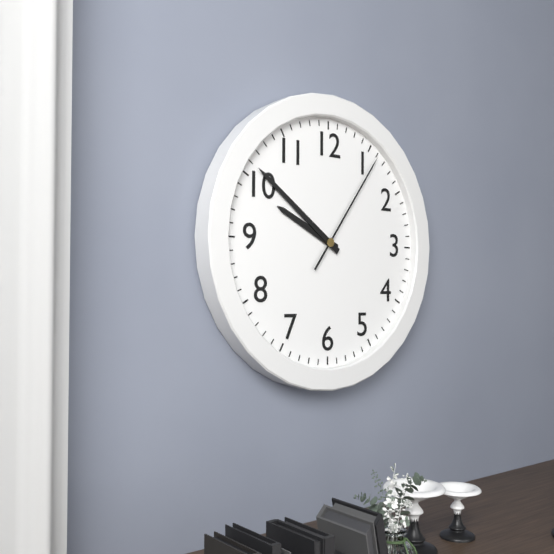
**9:51:06**
